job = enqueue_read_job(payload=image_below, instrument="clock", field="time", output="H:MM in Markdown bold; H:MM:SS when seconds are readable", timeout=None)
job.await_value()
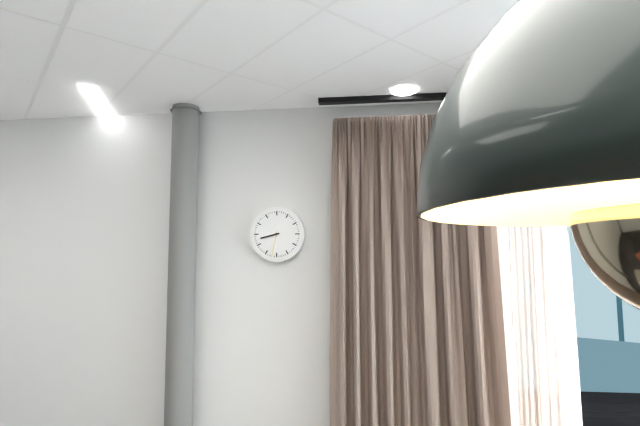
**8:32**
